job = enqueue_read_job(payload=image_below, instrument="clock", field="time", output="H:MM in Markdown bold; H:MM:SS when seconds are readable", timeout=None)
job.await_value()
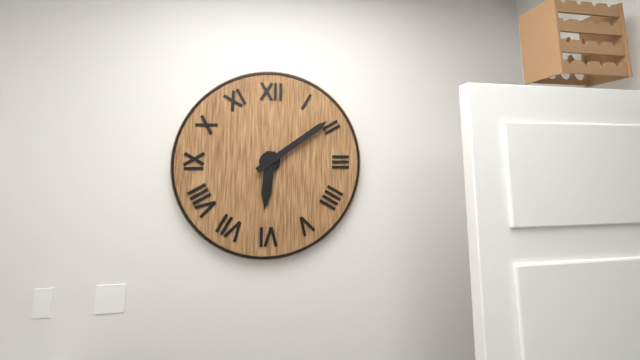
**6:09**
